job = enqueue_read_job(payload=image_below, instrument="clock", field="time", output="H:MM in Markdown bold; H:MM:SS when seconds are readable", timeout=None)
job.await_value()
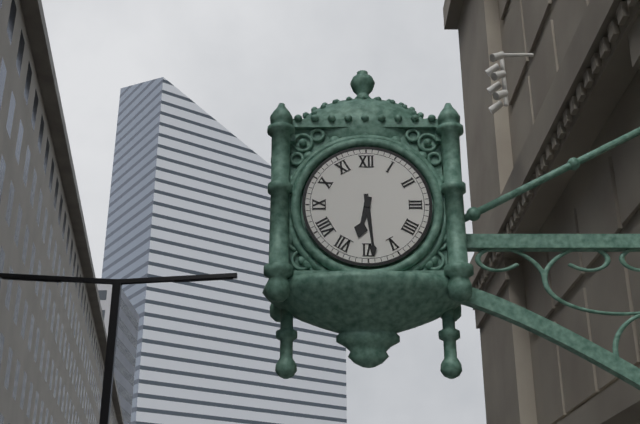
**6:29**
